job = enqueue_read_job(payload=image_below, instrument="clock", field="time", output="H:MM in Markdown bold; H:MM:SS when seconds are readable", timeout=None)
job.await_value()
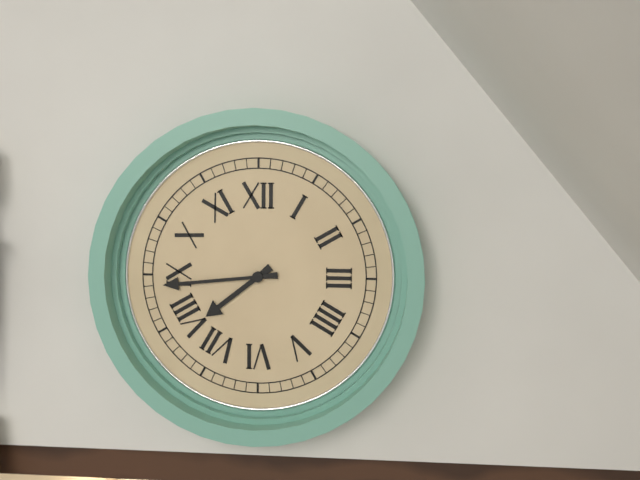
**7:44**
